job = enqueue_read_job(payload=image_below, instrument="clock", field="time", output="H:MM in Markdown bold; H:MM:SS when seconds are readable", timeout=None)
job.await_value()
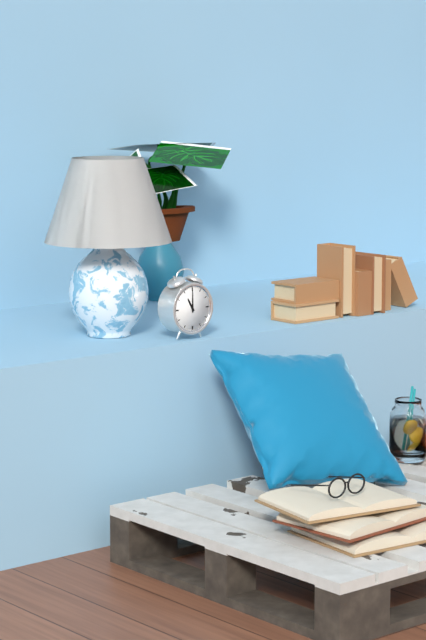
**11:00**
